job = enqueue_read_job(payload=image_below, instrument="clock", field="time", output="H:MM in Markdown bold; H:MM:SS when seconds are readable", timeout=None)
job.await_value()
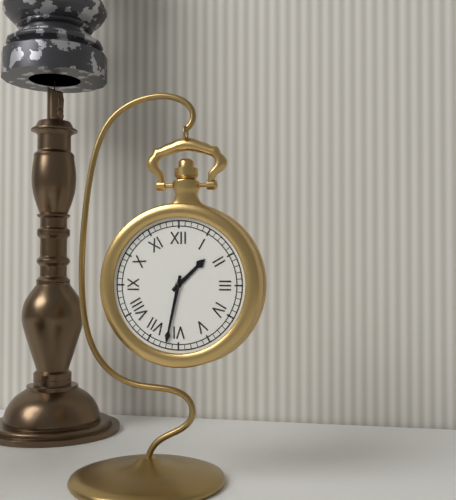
**1:32**
